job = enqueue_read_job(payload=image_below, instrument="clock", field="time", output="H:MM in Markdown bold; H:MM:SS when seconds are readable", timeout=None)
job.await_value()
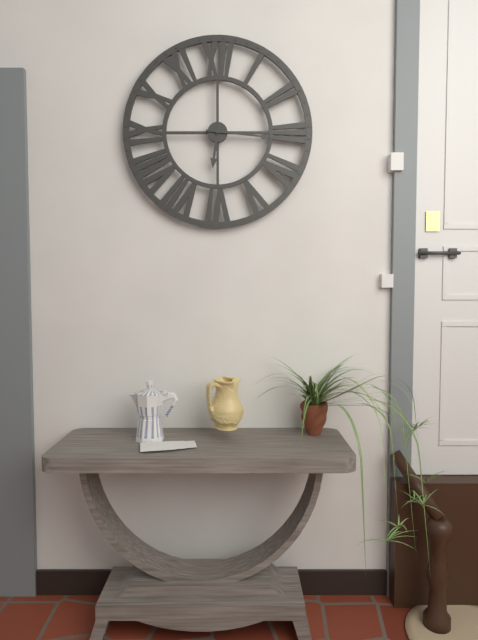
**6:16**
